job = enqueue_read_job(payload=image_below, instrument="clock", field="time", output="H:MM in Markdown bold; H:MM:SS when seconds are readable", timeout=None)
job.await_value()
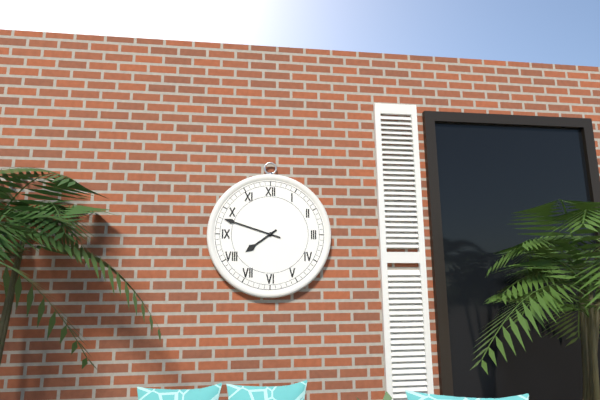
**7:48**
